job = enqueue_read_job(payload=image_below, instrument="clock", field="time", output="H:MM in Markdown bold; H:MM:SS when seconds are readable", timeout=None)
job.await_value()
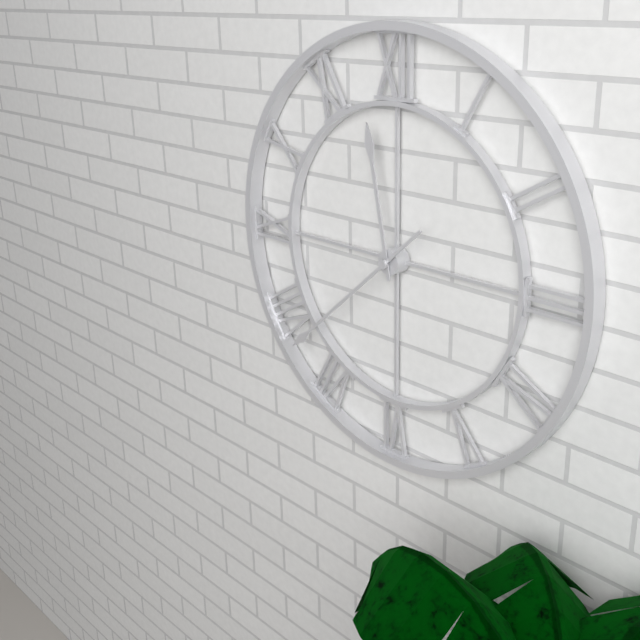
**11:38**
